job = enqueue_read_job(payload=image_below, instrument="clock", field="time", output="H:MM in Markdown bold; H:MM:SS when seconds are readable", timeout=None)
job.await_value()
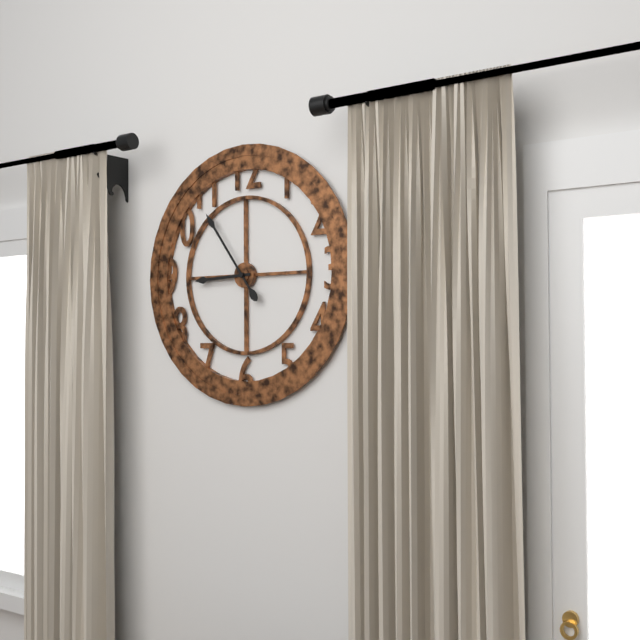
**8:54**
